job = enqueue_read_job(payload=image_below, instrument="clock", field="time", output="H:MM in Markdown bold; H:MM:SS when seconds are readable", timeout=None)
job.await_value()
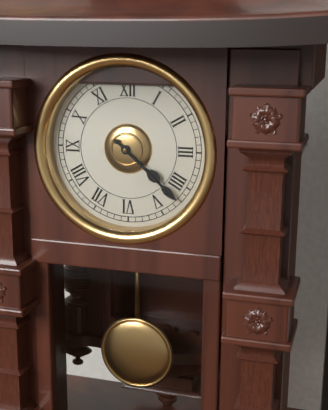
**4:22**
